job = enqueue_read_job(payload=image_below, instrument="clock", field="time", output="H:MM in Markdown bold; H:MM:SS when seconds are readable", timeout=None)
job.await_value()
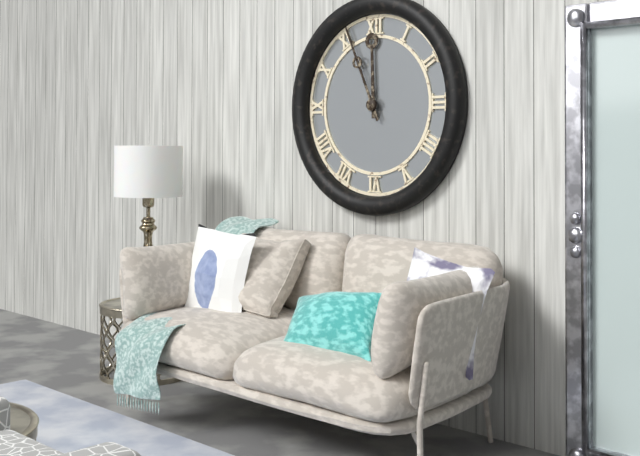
**11:56**
